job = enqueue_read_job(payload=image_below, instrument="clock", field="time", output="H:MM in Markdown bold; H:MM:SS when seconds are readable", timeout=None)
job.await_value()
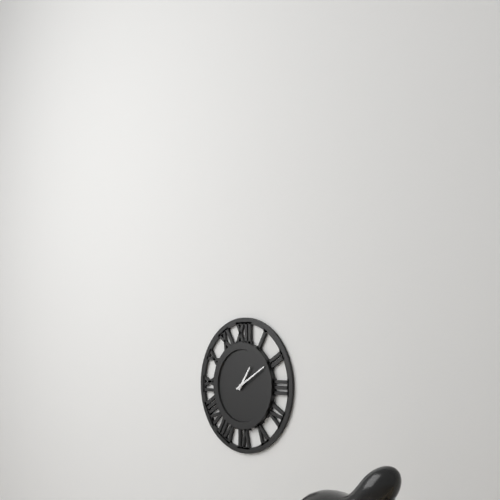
**1:10**
